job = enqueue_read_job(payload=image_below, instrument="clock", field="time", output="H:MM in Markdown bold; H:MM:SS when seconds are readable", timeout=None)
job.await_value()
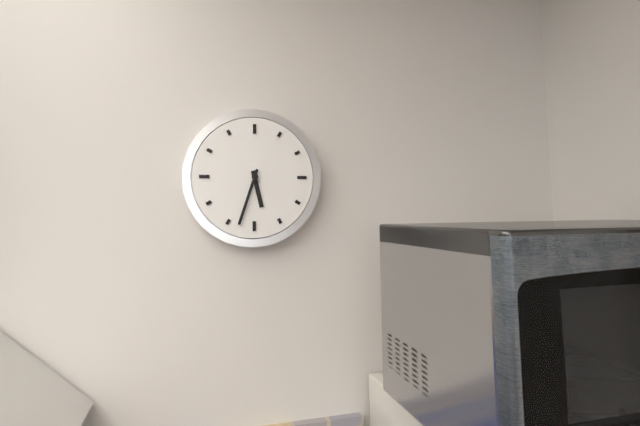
**5:33**
